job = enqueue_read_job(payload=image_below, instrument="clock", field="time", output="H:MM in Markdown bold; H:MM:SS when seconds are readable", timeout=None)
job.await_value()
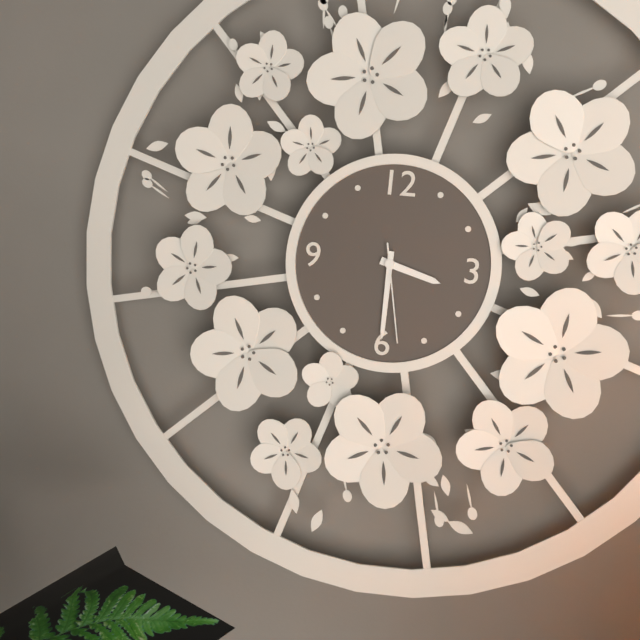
**3:30:28**
